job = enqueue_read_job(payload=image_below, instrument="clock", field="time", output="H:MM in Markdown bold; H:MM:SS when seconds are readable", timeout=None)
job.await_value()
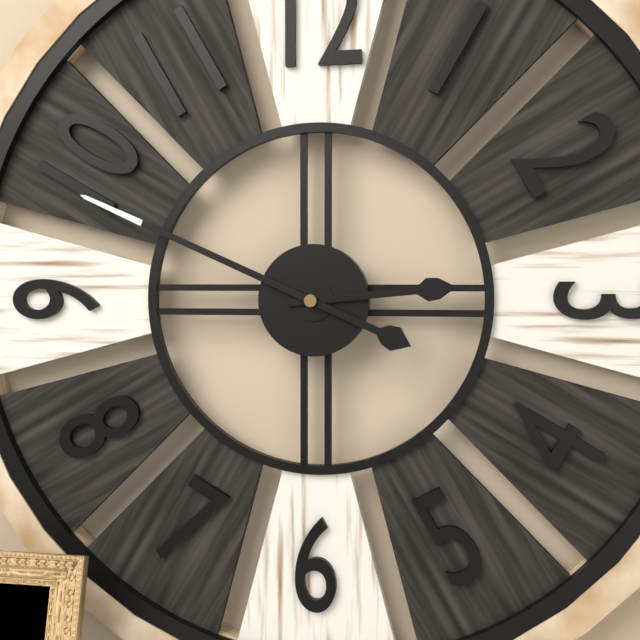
**2:49**
